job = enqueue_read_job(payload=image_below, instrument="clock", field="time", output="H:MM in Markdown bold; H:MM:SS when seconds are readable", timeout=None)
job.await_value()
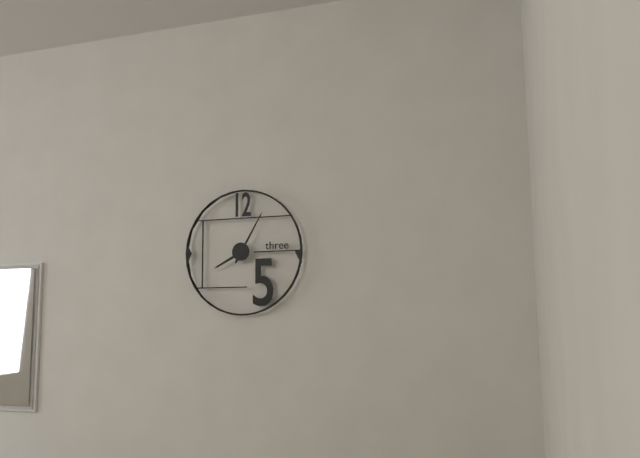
**8:05**
